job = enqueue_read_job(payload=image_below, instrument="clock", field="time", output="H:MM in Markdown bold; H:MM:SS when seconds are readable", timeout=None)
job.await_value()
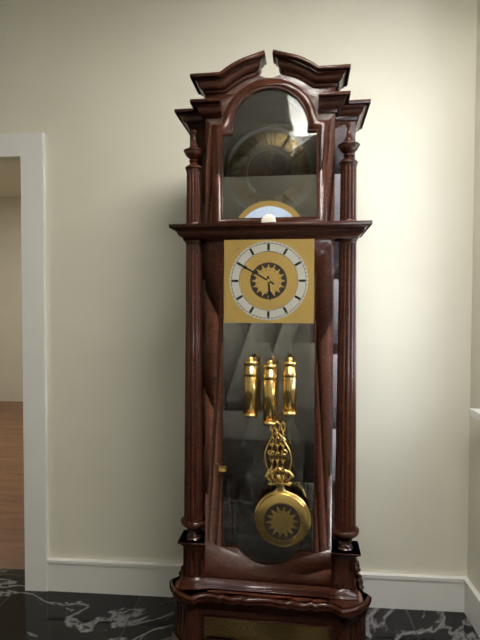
**5:50**
